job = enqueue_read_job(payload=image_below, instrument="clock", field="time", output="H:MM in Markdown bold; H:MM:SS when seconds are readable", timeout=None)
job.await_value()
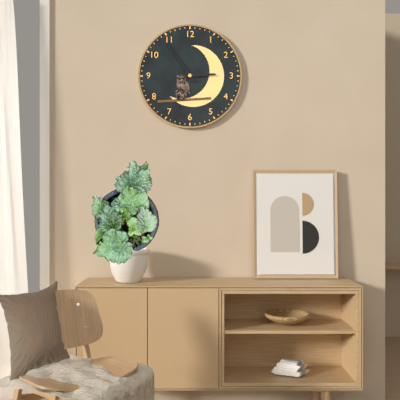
**2:54**
